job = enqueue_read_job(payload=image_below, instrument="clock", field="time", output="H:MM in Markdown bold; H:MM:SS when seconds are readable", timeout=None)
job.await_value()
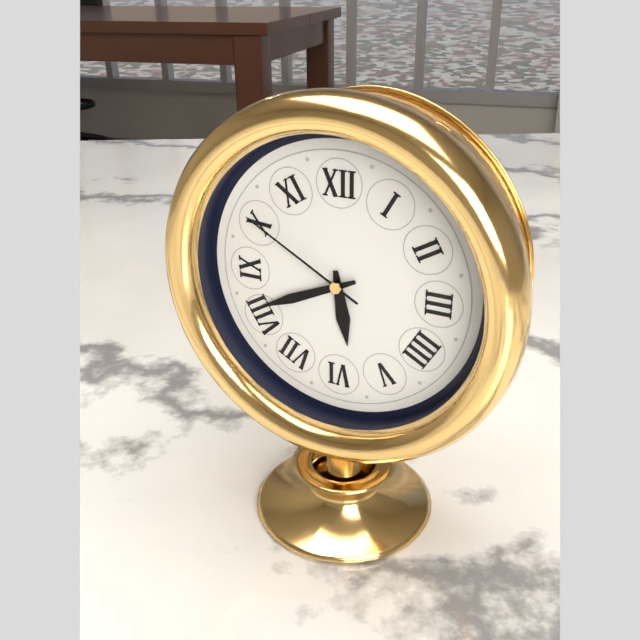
**5:41:50**
